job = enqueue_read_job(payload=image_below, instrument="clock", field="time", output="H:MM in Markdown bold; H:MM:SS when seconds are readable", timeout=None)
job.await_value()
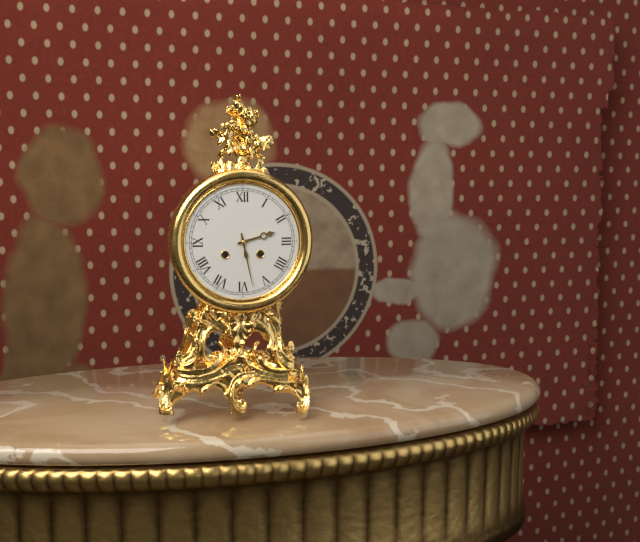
**2:28**
